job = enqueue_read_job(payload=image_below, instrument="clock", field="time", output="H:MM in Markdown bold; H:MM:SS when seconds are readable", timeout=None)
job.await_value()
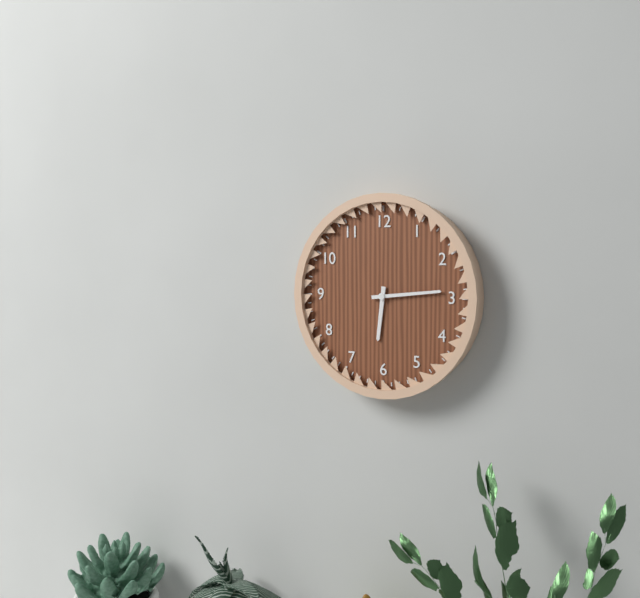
**6:14**
